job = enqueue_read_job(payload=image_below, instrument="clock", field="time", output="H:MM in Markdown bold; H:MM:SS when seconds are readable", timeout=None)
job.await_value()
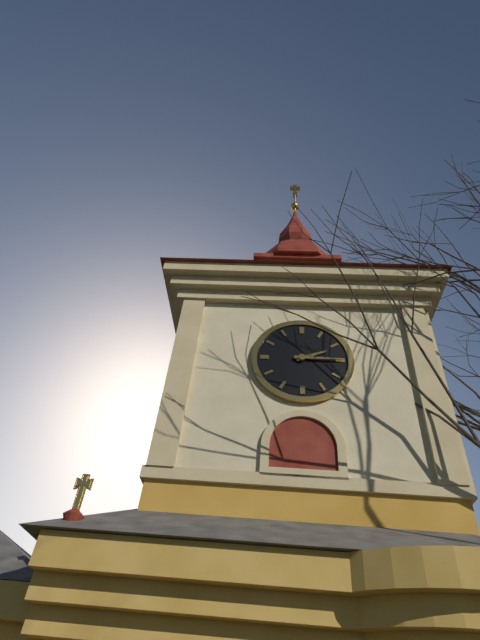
**2:15**
